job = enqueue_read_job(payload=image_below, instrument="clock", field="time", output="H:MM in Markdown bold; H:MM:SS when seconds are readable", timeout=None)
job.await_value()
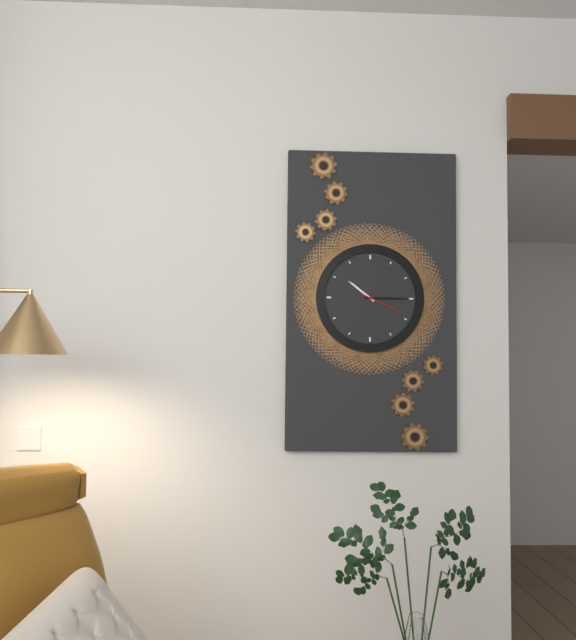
**10:15**
